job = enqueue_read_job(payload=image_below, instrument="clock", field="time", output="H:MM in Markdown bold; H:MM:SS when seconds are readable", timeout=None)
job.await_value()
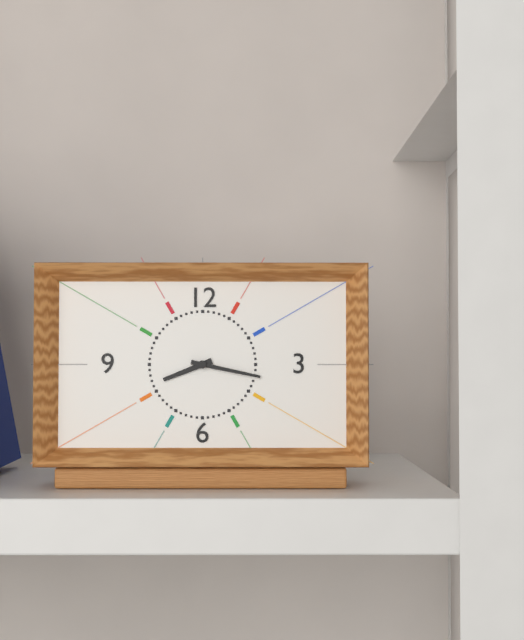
**8:17**
